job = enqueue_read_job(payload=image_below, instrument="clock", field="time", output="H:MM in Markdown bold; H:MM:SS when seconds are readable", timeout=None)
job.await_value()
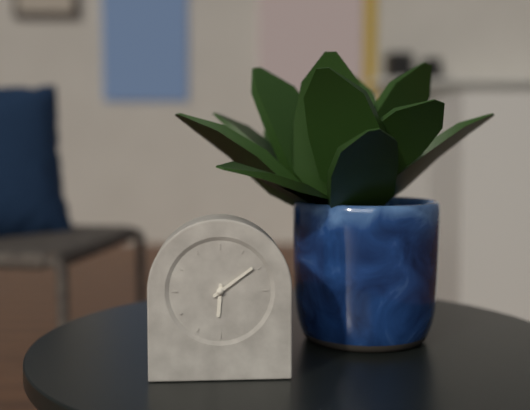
**6:09**
